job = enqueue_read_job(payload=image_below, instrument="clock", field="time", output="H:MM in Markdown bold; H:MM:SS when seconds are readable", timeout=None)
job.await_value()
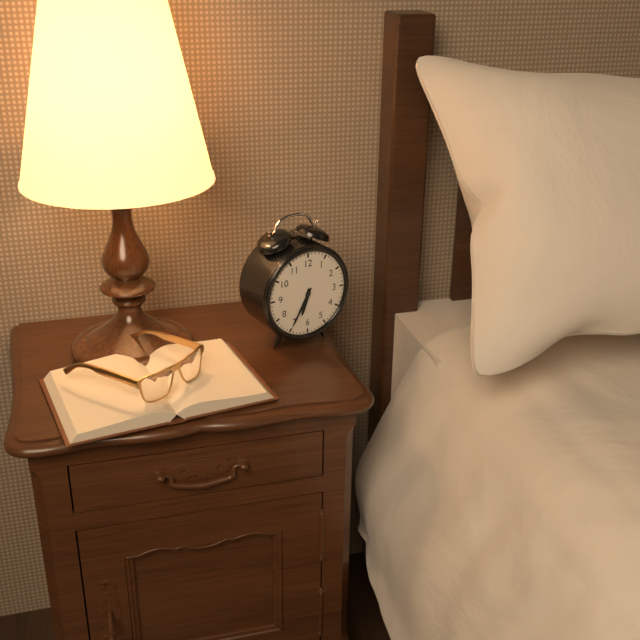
**6:35**
